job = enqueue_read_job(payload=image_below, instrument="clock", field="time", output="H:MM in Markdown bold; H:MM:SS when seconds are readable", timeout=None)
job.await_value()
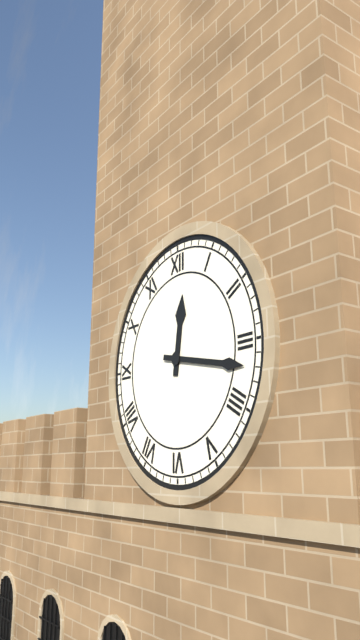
**12:17**
